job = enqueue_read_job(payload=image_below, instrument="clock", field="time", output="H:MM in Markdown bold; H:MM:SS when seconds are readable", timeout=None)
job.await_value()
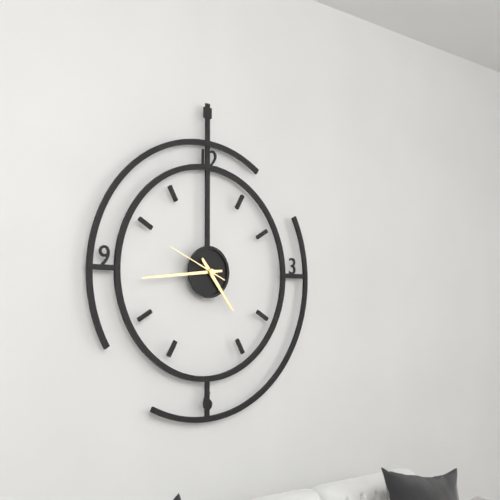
**4:44:49**
